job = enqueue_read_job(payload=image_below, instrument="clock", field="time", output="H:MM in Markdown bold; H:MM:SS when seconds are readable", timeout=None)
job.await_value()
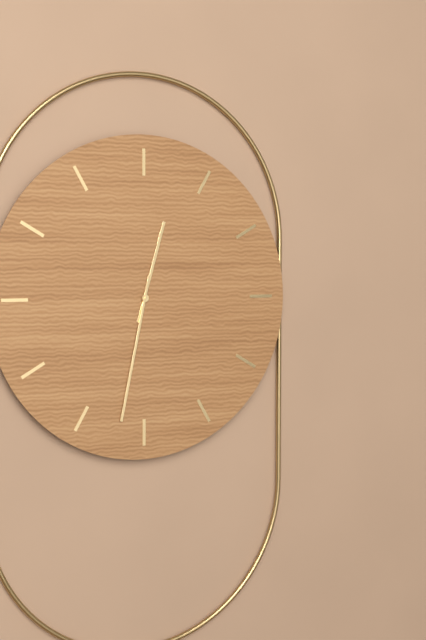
**12:32**
